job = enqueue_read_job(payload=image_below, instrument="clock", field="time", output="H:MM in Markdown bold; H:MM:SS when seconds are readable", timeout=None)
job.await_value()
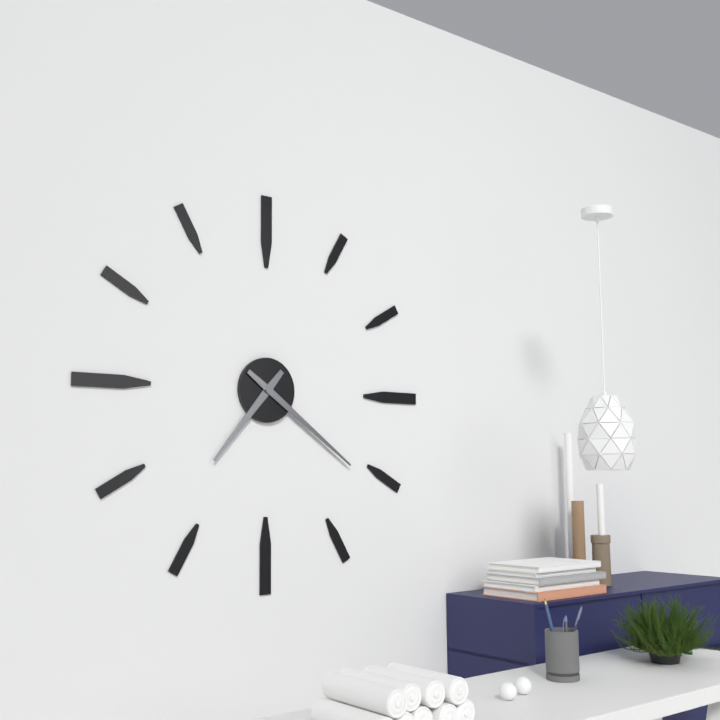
**7:21**
